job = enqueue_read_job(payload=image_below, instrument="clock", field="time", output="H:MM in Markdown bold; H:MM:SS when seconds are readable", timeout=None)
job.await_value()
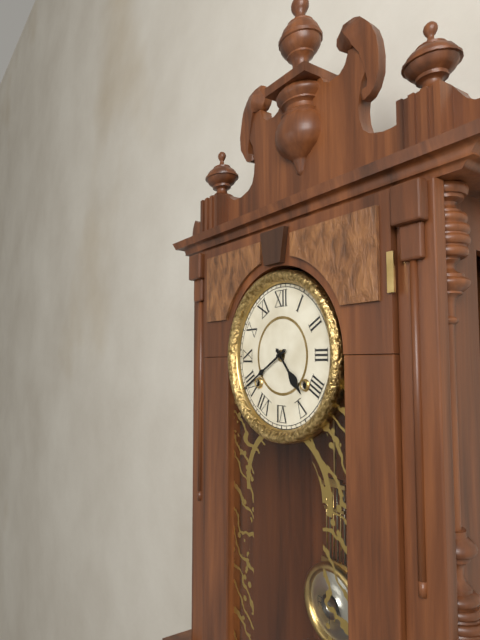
**4:40**
